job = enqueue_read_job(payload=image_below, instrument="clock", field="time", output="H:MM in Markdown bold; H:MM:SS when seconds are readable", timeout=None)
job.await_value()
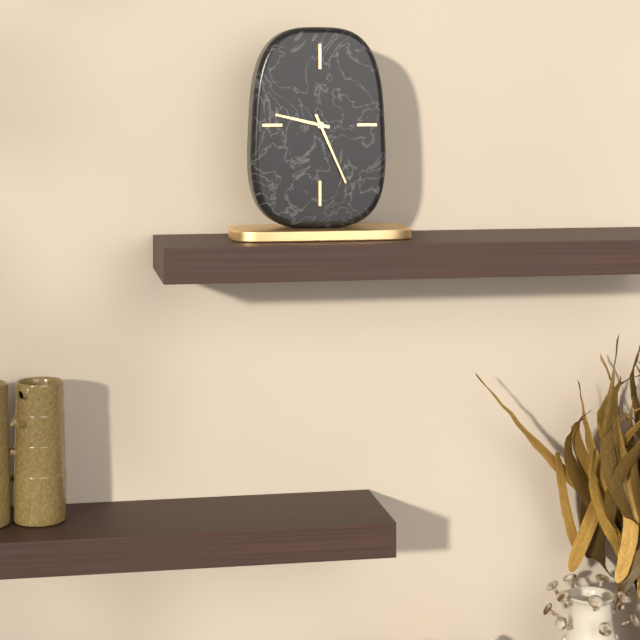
**9:26**
